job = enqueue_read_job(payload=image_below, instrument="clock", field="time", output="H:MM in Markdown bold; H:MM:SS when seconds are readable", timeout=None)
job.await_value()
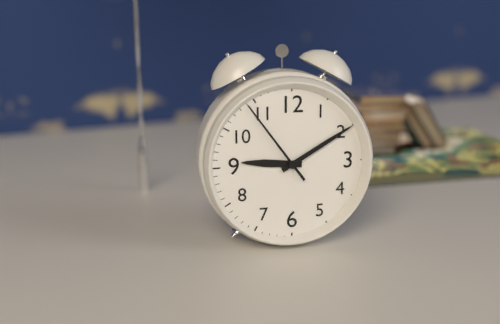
**9:10:54**
